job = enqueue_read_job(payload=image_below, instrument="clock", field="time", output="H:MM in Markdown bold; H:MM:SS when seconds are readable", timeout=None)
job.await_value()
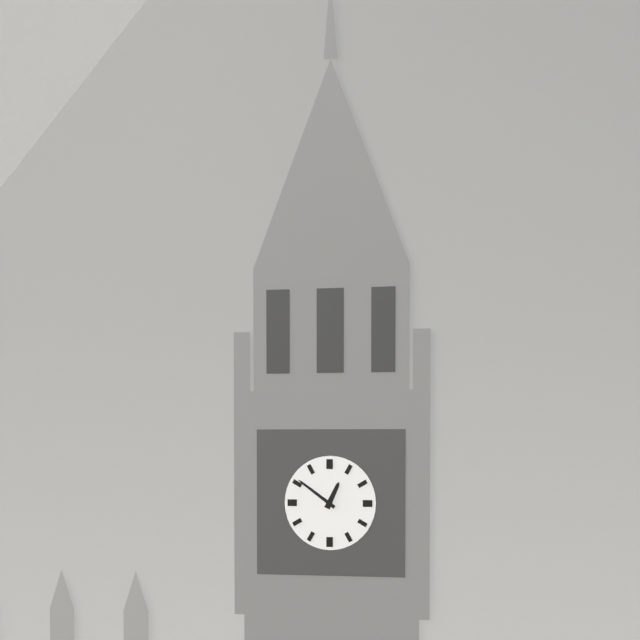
**12:51**
